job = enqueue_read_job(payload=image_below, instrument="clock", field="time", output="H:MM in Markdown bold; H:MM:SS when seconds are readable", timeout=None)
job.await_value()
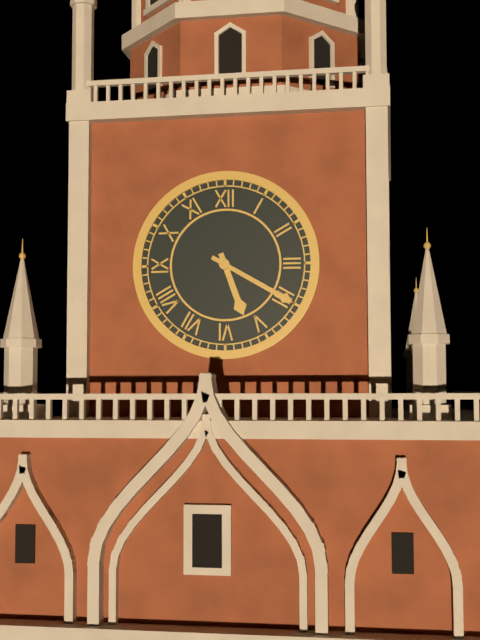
**5:20**
